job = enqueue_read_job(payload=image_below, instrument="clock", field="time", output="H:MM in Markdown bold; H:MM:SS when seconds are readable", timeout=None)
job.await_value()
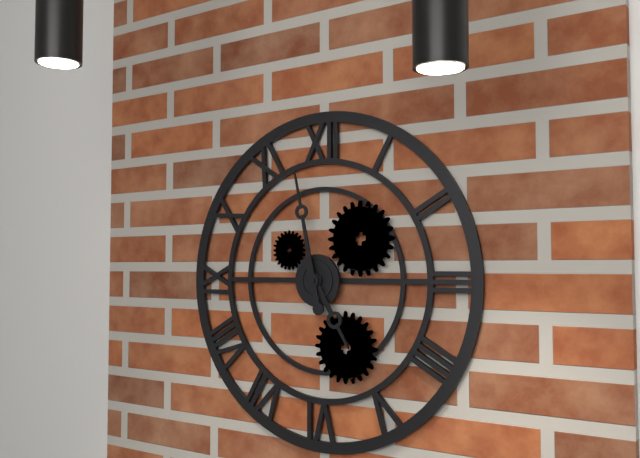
**4:58**
